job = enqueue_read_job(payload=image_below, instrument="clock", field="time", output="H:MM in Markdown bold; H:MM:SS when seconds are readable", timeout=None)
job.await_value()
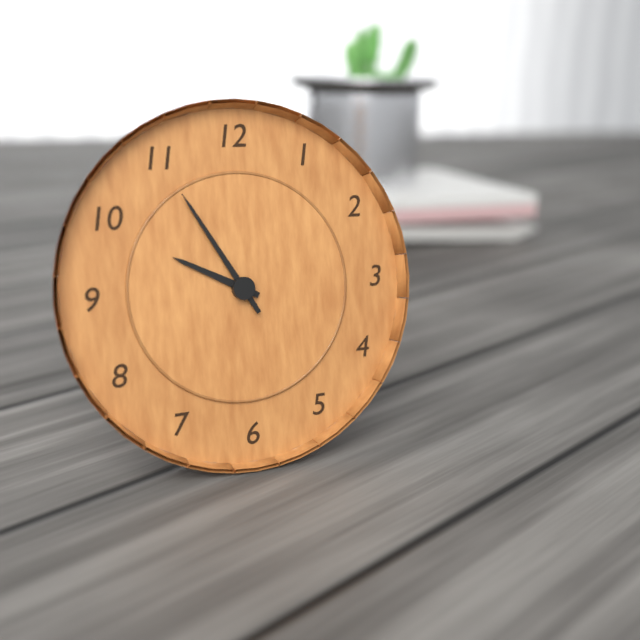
**9:55**
